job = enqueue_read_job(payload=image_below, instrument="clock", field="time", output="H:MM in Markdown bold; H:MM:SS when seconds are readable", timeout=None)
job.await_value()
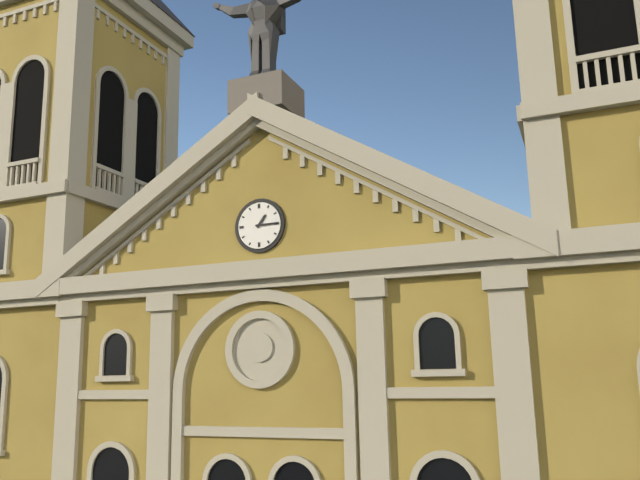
**1:15**
